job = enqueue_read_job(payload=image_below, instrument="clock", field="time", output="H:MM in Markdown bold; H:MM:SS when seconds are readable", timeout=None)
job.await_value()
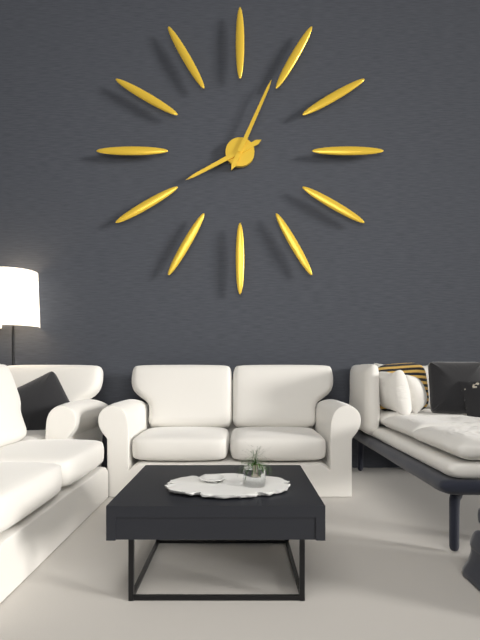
**8:04**
